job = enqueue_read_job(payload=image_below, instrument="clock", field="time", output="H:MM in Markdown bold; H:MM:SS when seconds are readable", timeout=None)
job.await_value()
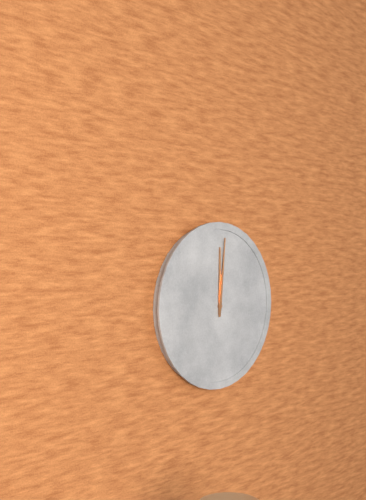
**12:01**
